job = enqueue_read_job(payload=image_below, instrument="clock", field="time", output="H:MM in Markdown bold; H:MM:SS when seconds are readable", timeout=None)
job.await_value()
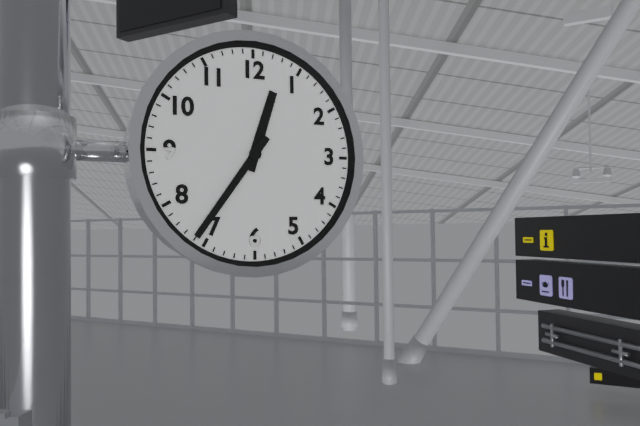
**12:36**
